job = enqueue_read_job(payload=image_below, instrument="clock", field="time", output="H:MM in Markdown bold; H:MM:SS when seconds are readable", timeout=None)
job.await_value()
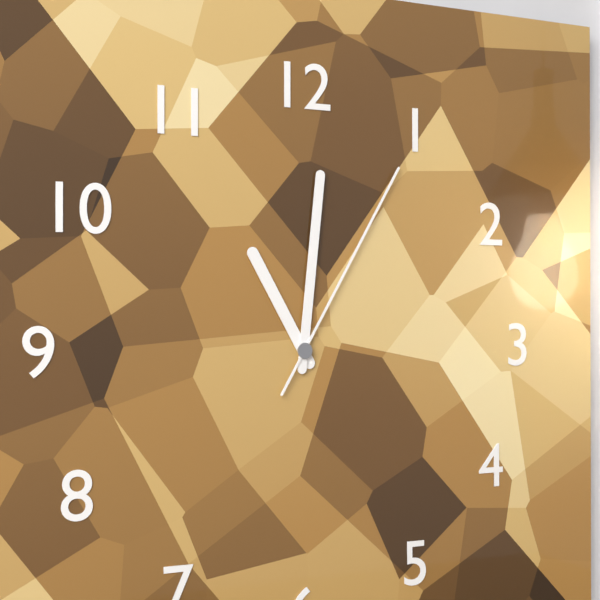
**11:01:05**
